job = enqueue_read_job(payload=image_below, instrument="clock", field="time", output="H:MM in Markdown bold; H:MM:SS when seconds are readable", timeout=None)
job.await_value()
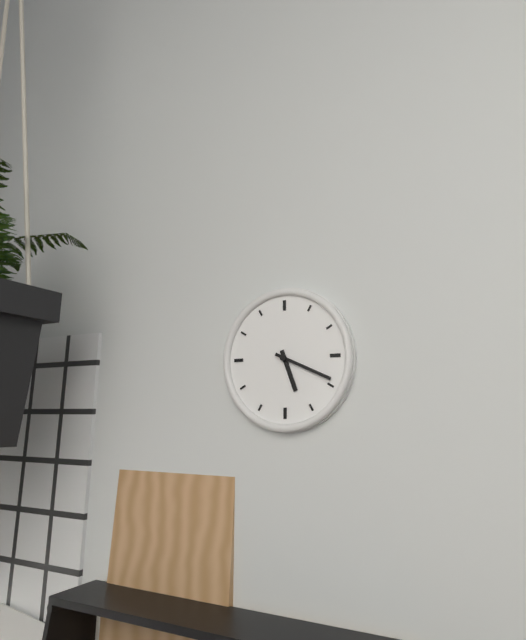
**5:19**
